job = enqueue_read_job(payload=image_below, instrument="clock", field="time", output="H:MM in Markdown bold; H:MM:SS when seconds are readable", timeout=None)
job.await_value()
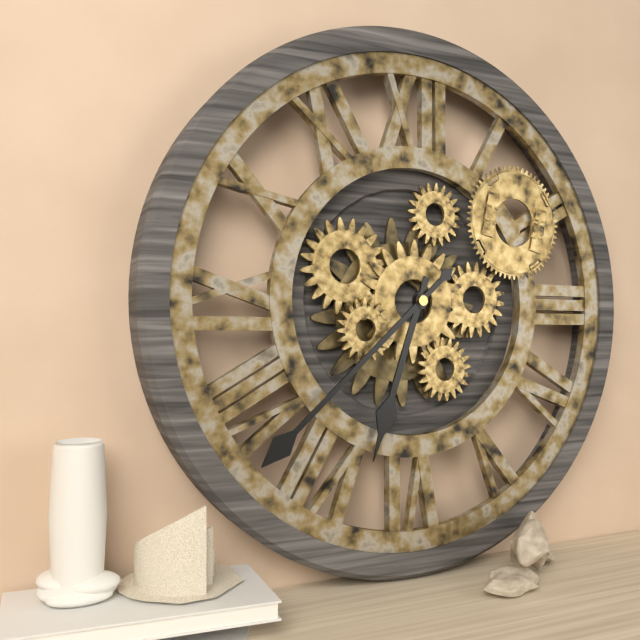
**6:38**
